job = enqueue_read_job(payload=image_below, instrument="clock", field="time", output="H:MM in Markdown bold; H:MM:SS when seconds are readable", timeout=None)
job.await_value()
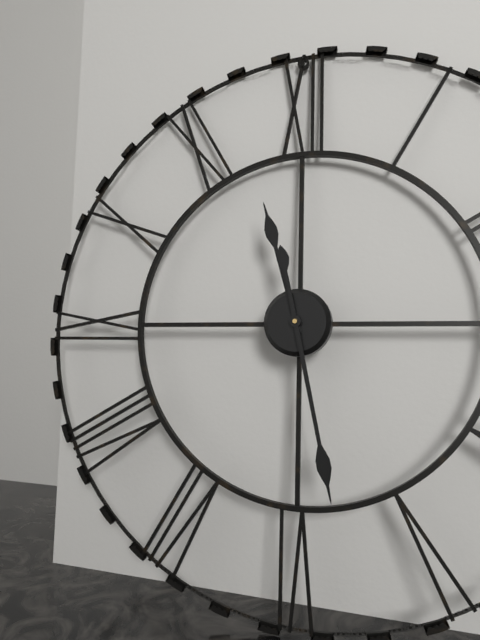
**11:28**
